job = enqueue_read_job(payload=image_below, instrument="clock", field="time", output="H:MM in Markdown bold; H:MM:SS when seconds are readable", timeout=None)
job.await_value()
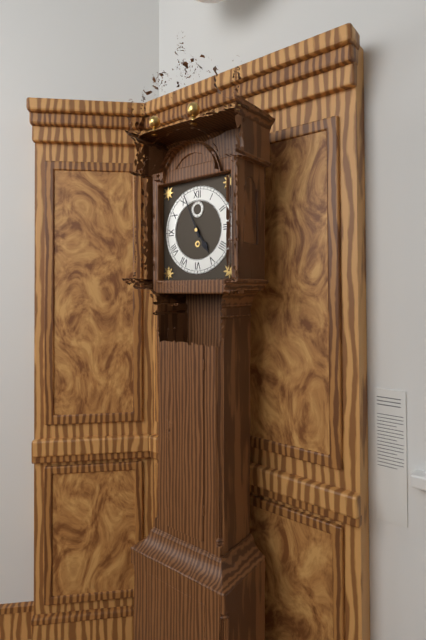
**4:56**
